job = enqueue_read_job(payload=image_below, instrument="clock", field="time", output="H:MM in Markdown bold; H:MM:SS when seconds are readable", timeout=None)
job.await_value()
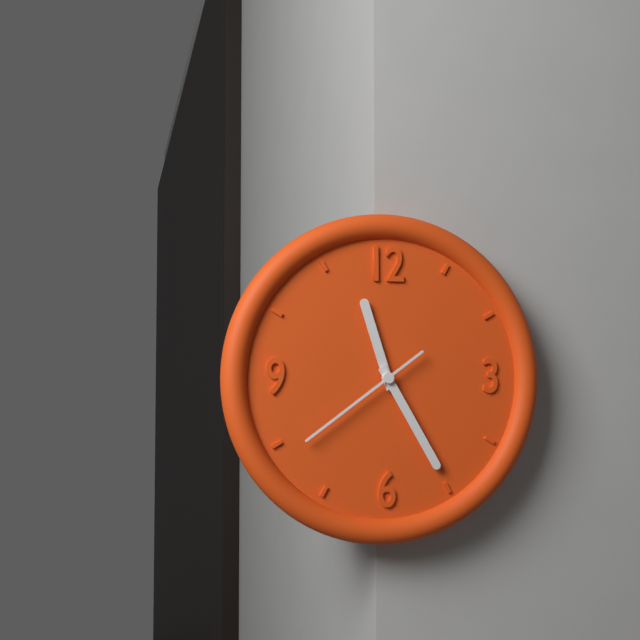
**11:25:39**
